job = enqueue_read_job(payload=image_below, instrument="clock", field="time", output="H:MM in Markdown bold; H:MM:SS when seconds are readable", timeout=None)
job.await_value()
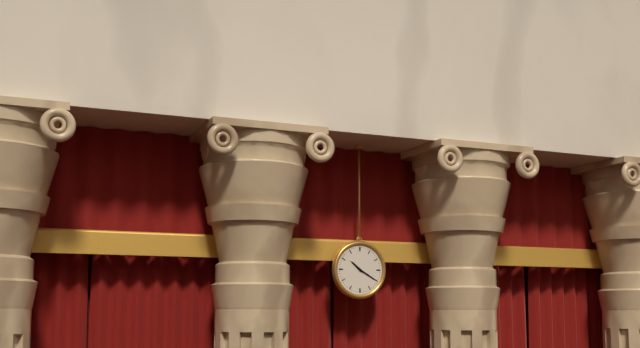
**10:20**
